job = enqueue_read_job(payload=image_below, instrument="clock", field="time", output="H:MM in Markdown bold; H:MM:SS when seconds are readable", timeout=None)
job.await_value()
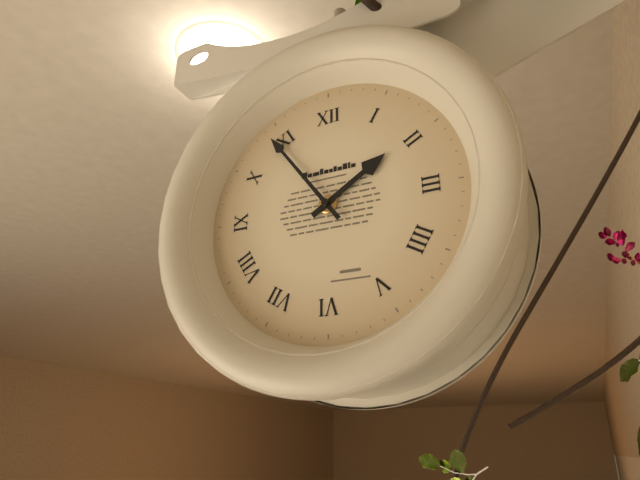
**1:54**
